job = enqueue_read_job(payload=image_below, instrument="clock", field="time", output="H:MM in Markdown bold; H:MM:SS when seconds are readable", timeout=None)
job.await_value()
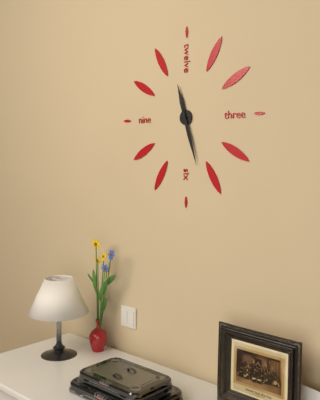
**11:27**
